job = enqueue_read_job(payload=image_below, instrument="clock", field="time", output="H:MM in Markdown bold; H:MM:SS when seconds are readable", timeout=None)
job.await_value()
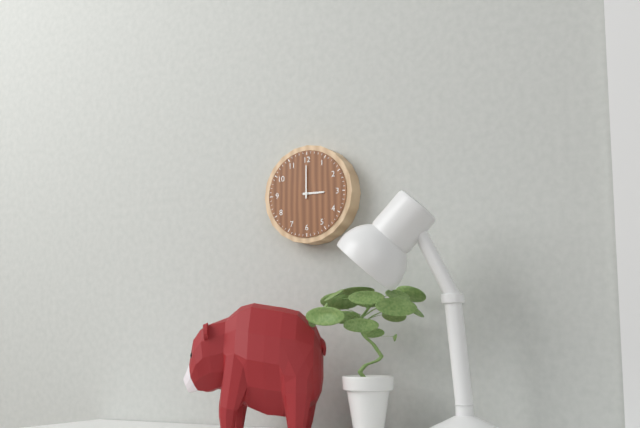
**3:00**
